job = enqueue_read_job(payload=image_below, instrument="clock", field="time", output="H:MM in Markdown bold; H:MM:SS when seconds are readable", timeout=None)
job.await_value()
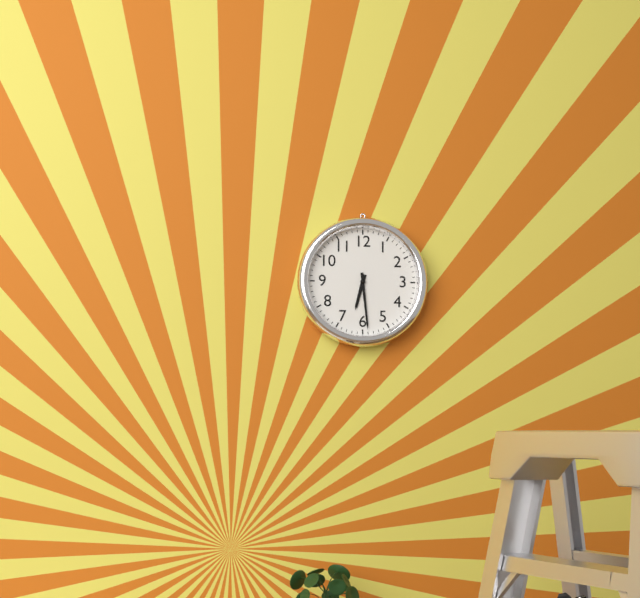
**6:29**
